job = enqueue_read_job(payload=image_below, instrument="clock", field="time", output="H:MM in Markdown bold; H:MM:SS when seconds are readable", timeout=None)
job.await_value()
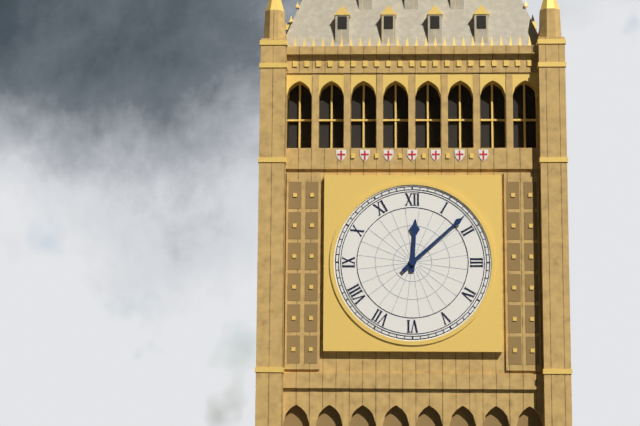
**12:08**
